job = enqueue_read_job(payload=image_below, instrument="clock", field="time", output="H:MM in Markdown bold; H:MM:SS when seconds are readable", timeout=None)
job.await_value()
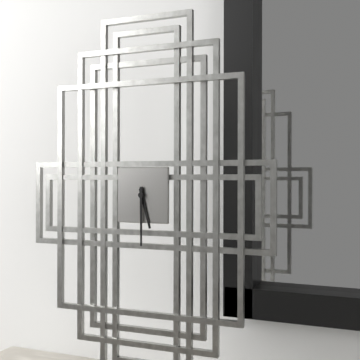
**5:30**
